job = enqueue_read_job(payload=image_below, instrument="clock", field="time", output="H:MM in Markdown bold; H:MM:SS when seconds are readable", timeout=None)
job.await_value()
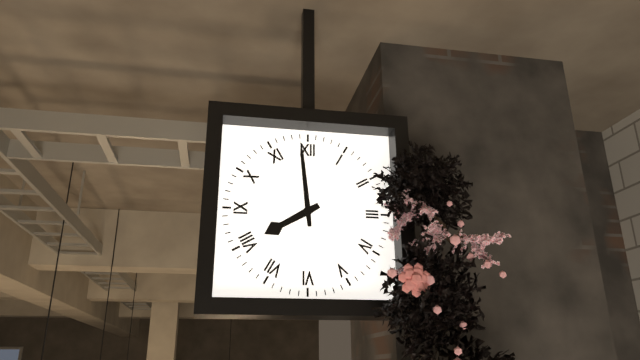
**7:59**
